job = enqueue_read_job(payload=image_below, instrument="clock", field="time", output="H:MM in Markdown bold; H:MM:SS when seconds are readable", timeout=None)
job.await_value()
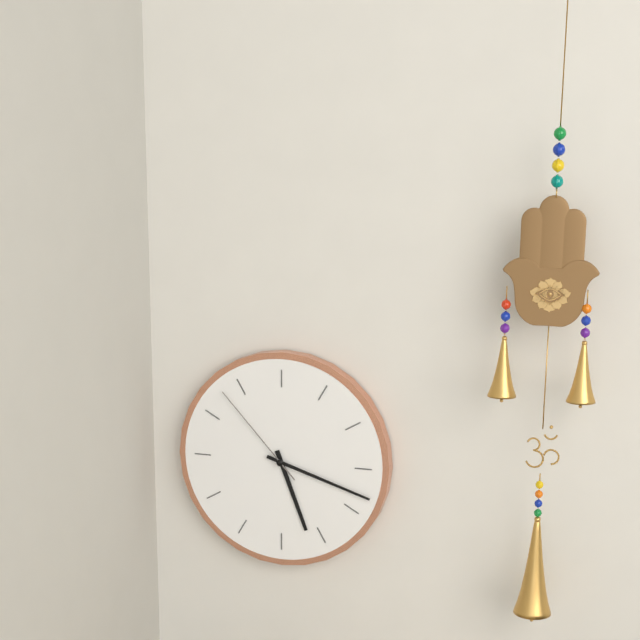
**5:18:53**
